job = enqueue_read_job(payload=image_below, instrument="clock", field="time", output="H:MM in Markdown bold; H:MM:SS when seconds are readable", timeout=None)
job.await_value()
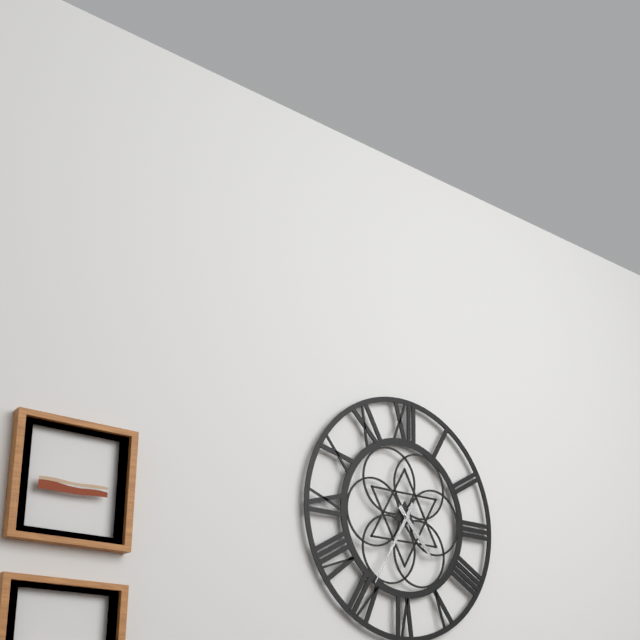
**4:35**
